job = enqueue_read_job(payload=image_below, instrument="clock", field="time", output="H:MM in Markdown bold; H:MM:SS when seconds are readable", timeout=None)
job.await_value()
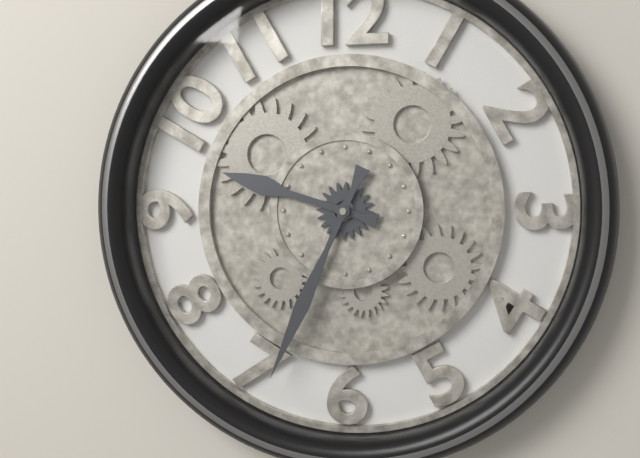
**9:34**
